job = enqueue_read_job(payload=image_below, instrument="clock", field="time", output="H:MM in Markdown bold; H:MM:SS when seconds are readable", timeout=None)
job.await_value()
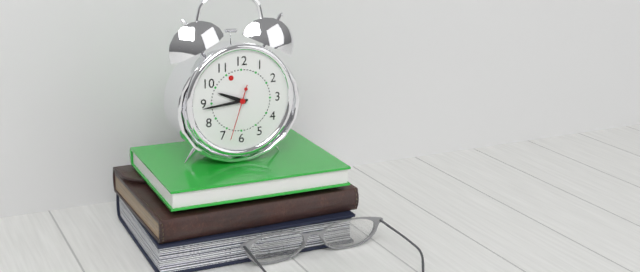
**9:44:33**
